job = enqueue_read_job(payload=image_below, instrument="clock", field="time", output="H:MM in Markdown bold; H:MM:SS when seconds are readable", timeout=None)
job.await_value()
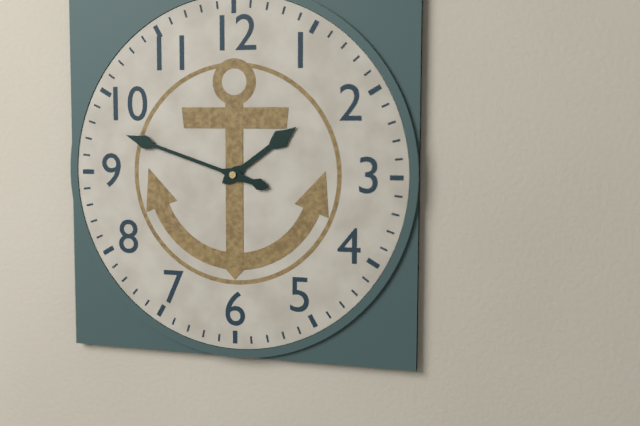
**1:48**
